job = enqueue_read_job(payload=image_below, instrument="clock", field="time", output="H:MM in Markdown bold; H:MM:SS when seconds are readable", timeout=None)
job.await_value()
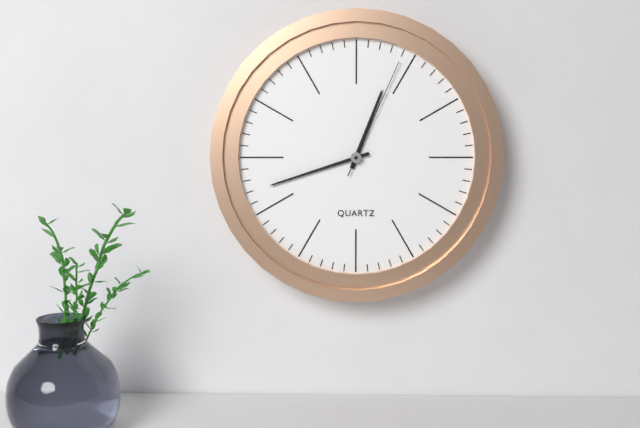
**12:42:04**
